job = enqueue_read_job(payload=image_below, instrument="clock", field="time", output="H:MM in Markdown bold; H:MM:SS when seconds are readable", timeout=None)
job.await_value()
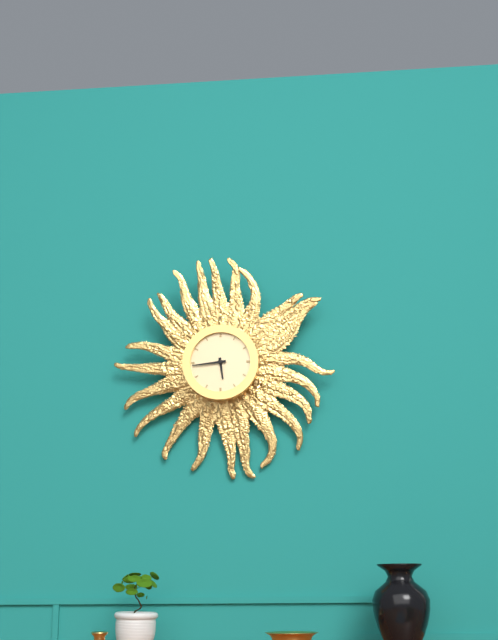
**5:44**
